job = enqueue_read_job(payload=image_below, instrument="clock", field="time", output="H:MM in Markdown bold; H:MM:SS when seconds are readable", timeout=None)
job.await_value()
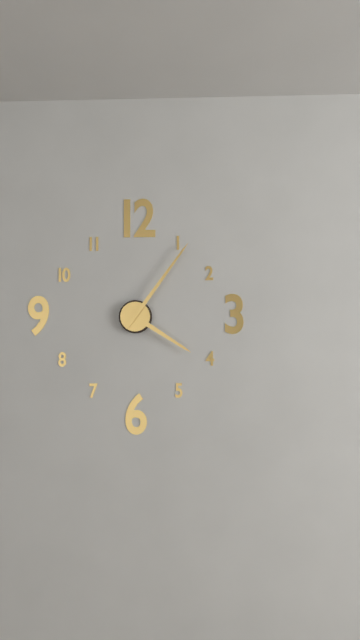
**4:06**
